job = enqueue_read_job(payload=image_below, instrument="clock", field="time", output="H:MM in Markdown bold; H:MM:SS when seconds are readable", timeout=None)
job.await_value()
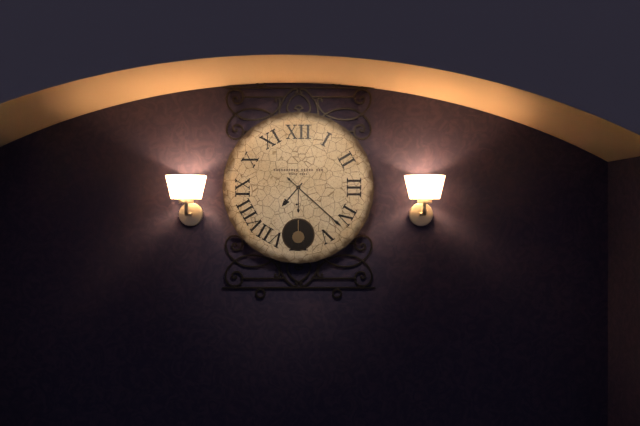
**7:22**
